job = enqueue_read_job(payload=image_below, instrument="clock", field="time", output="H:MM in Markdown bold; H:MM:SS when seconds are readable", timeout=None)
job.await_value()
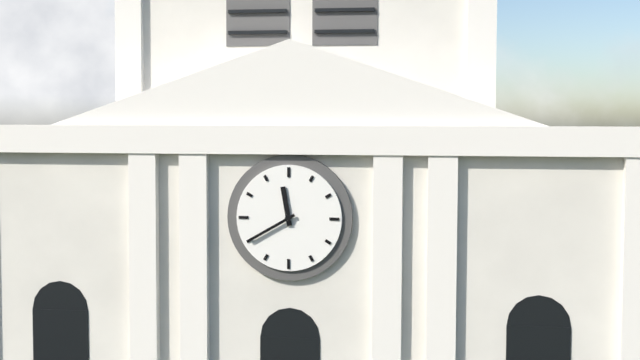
**11:40**
